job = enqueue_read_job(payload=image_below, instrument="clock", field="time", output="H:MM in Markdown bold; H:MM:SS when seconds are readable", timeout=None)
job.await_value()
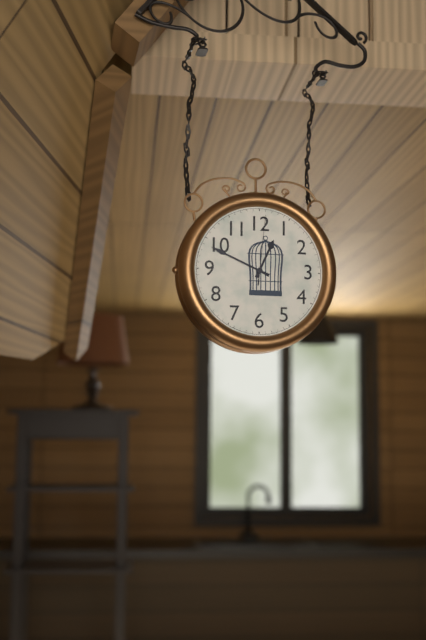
**12:49:01**
